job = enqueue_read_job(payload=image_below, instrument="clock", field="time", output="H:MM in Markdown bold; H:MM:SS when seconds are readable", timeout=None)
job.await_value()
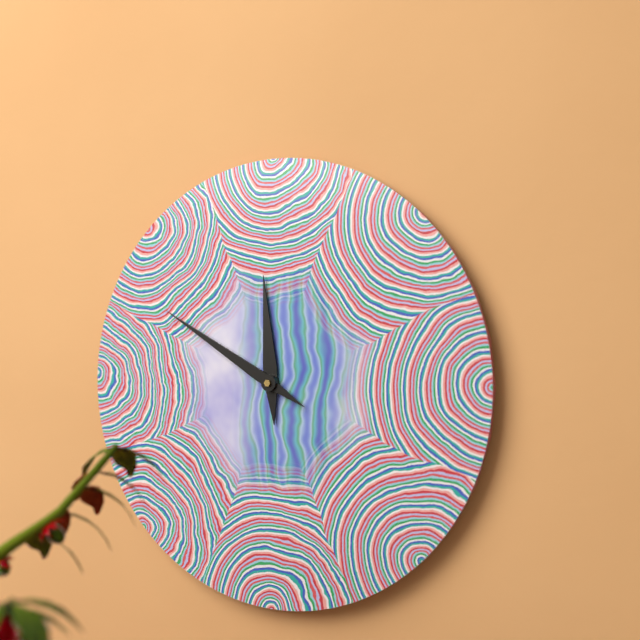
**11:50**
